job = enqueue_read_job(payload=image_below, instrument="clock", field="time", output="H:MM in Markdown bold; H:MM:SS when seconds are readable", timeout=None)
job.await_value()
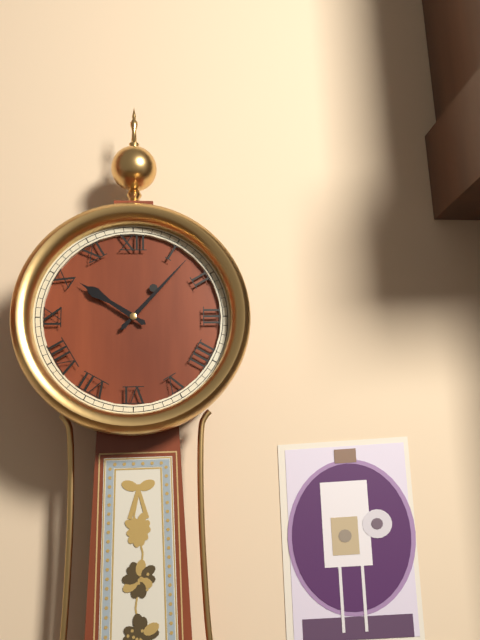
**10:07**
